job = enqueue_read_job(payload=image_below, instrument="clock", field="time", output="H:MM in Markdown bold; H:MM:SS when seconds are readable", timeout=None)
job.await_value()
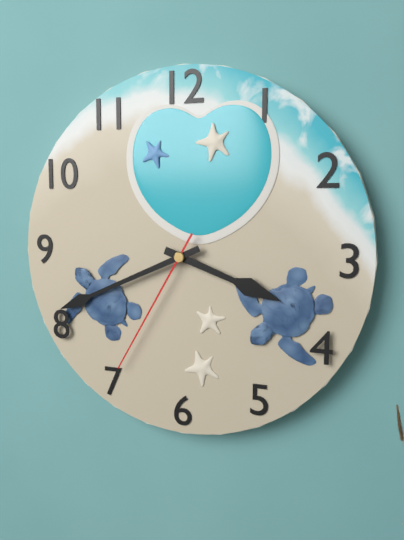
**3:41:35**
